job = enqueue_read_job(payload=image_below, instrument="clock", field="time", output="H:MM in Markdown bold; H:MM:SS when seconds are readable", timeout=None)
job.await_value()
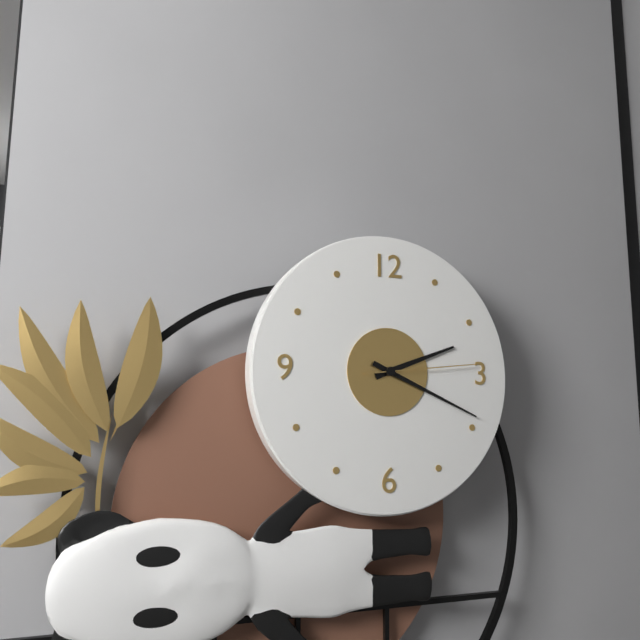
**2:19:14**
